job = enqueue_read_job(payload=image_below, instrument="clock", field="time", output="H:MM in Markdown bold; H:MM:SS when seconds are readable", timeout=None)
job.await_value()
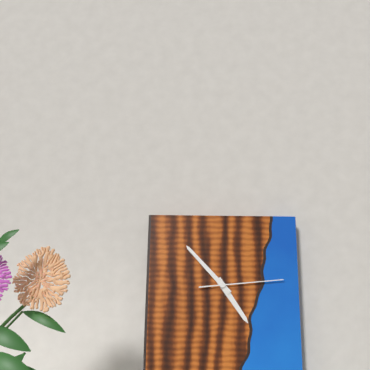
**4:53:14**
